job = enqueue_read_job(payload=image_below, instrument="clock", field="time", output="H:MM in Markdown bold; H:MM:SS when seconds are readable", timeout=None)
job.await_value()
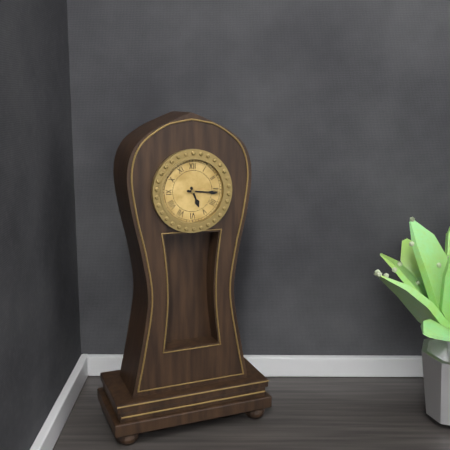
**5:16**
